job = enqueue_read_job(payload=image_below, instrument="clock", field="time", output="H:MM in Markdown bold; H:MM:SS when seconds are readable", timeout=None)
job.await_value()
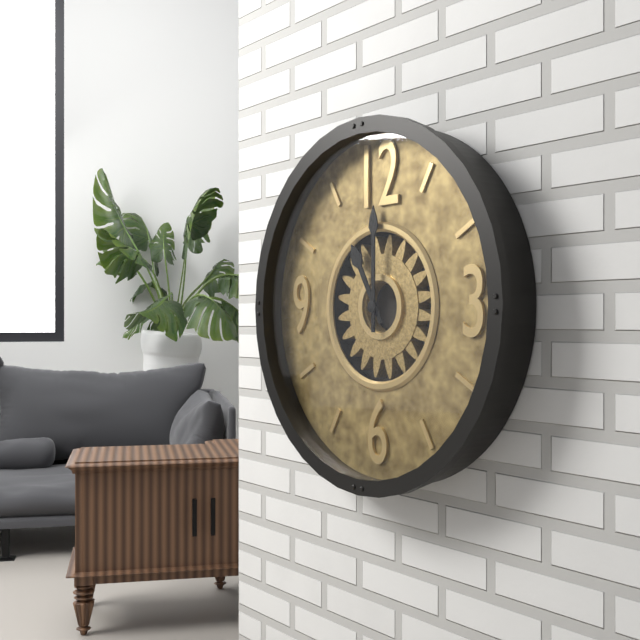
**11:00**
